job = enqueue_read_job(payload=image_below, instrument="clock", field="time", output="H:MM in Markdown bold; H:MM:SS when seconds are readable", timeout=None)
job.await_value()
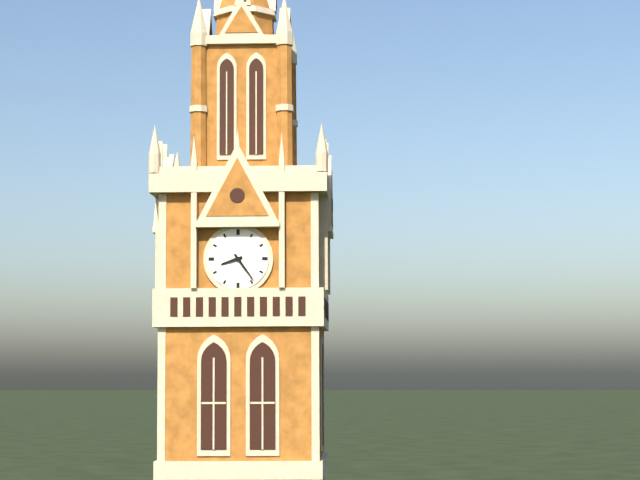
**8:24**
